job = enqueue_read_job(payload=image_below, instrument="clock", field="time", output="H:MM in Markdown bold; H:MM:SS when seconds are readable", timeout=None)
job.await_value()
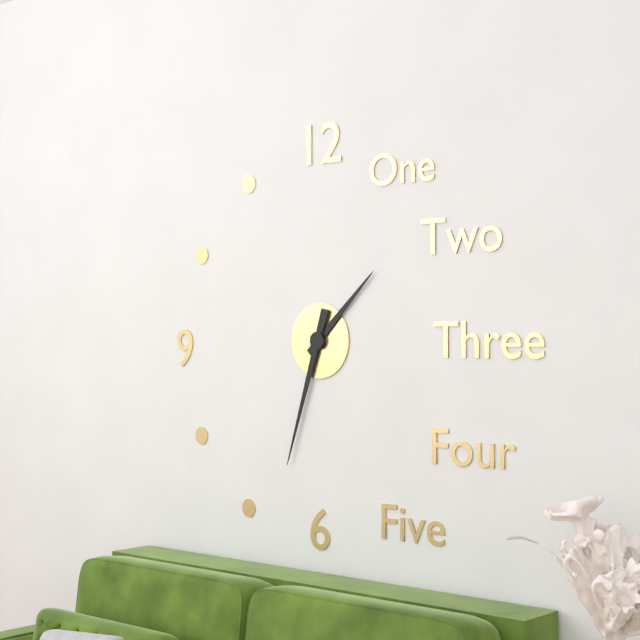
**1:33**
